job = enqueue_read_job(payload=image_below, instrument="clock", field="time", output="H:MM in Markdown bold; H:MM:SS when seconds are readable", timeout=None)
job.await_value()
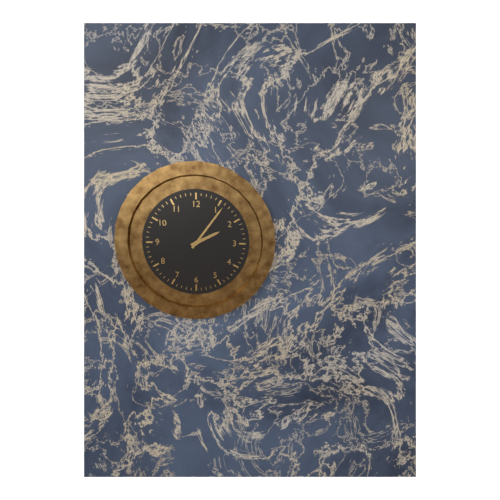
**2:06**
